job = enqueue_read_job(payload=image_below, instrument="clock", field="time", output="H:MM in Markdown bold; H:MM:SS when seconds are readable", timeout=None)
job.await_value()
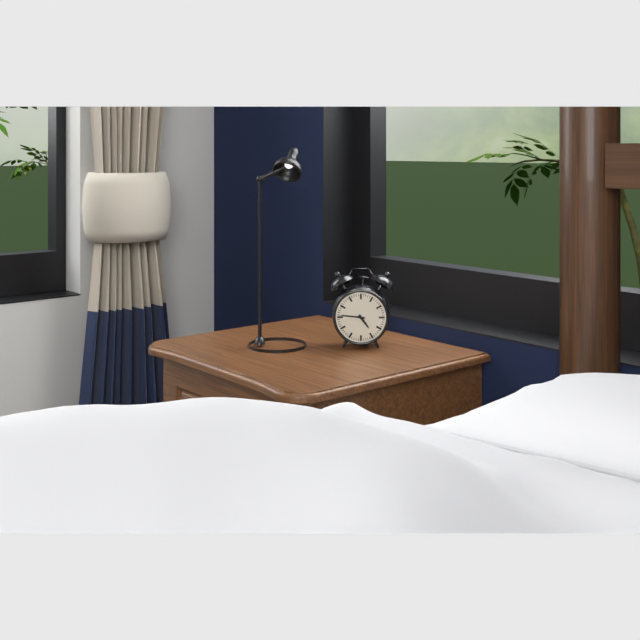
**4:46**
